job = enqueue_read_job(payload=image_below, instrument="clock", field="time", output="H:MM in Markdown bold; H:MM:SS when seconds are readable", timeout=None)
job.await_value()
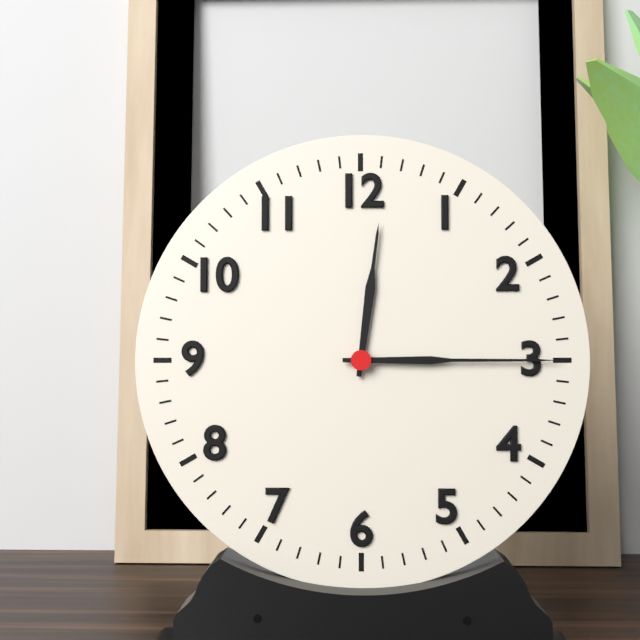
**12:15**
